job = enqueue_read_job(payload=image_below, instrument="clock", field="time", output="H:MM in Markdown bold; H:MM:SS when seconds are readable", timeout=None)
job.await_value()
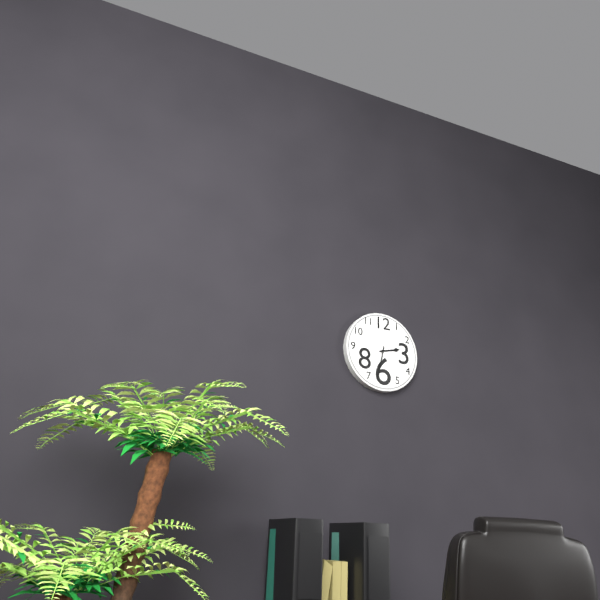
**2:32**
